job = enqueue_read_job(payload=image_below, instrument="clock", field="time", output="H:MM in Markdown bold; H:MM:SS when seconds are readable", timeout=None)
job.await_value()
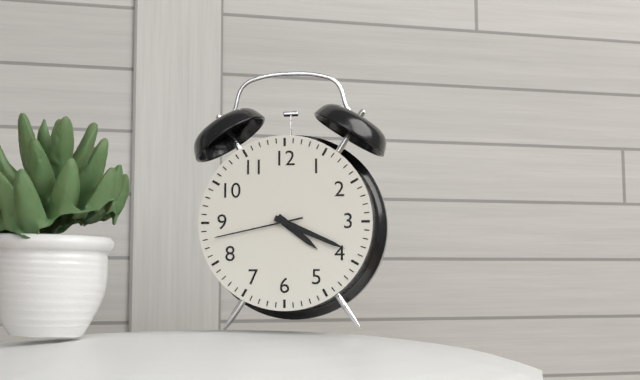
**4:19:43**
